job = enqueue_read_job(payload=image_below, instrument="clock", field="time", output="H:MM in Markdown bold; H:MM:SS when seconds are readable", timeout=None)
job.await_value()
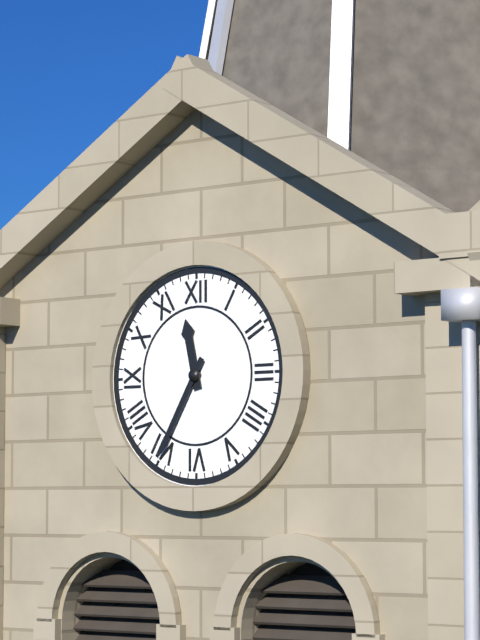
**11:35**
